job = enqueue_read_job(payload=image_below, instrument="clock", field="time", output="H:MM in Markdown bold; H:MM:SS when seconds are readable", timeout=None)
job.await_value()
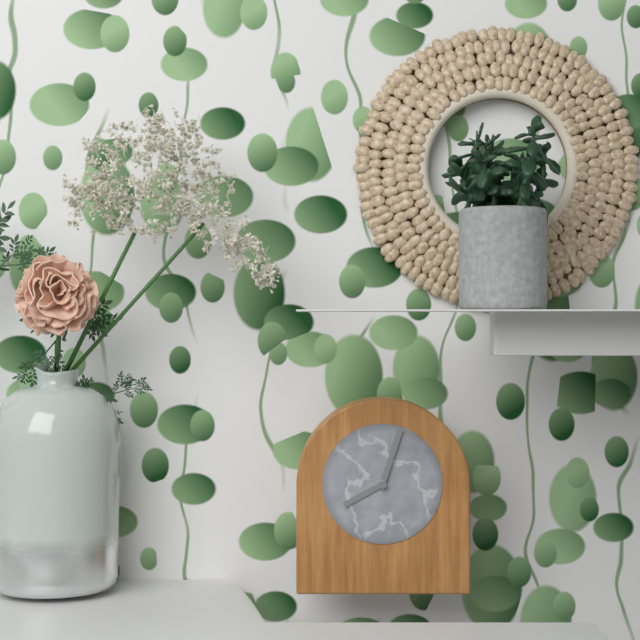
**8:03**
